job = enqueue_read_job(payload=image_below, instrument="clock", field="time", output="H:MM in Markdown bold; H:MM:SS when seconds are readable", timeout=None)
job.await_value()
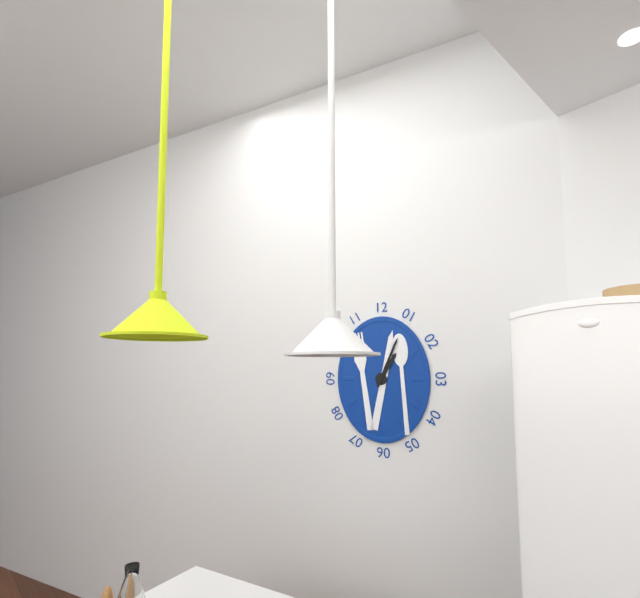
**1:04**
